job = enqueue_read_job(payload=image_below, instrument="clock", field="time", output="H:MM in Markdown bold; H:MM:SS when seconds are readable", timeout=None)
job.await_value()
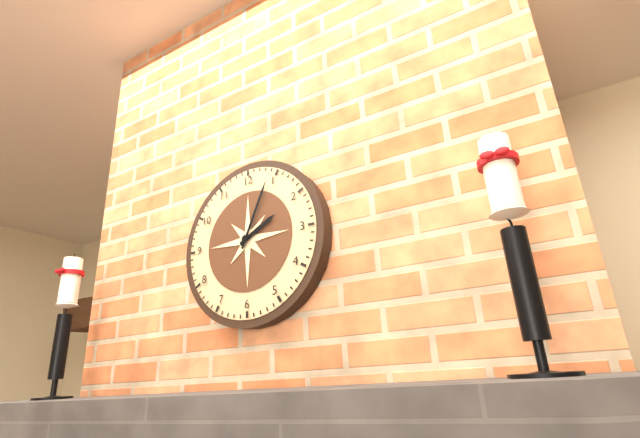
**2:04**
